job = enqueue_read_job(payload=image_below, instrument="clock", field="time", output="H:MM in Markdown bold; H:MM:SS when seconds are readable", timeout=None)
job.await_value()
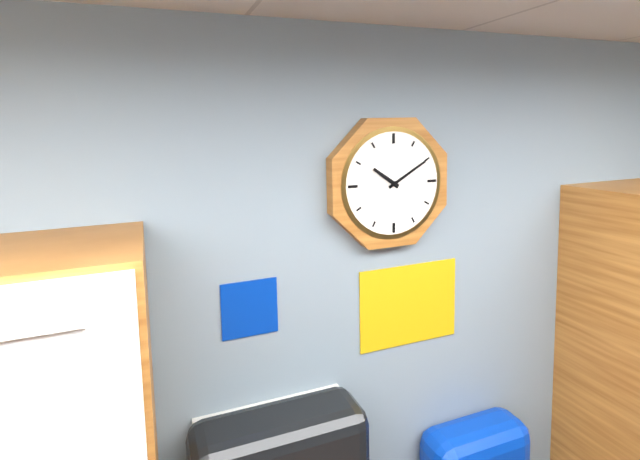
**10:10**
